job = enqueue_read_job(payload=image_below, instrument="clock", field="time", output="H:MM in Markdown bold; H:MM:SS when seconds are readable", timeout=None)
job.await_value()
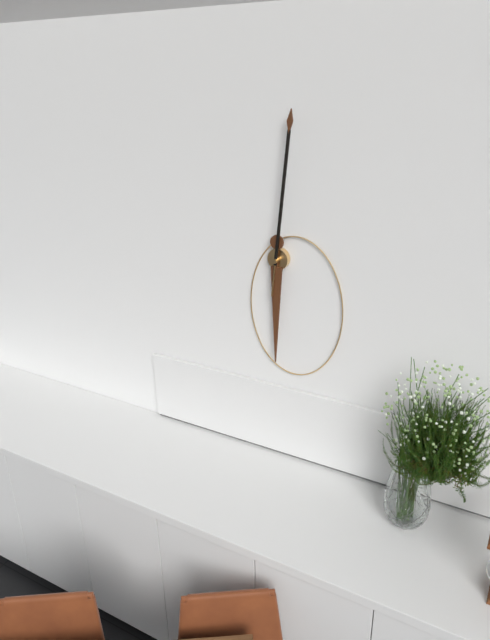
**6:01**
